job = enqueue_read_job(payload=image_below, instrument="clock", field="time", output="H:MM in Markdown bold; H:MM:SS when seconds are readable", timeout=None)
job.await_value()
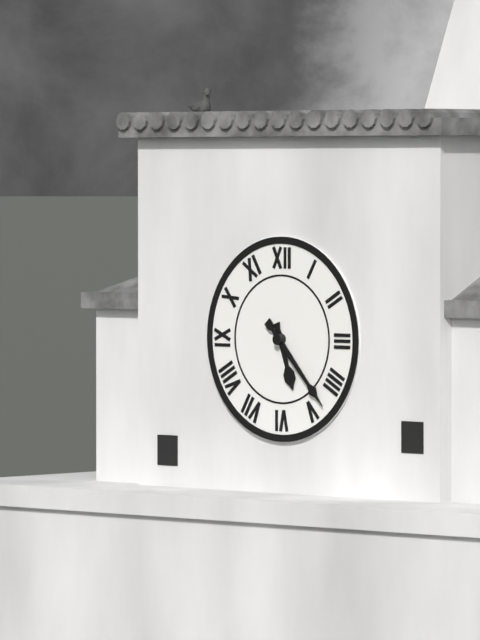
**5:23**
